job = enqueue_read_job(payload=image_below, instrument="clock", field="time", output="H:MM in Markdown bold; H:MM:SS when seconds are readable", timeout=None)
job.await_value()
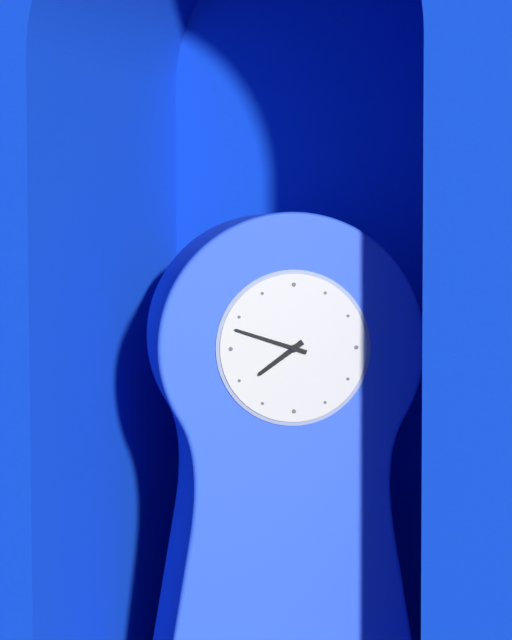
**7:48**
